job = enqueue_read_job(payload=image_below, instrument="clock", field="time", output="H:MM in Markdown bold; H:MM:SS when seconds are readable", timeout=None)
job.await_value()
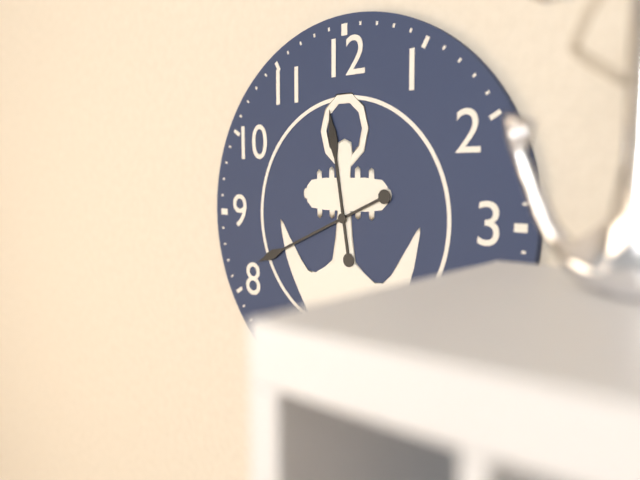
**11:41**
